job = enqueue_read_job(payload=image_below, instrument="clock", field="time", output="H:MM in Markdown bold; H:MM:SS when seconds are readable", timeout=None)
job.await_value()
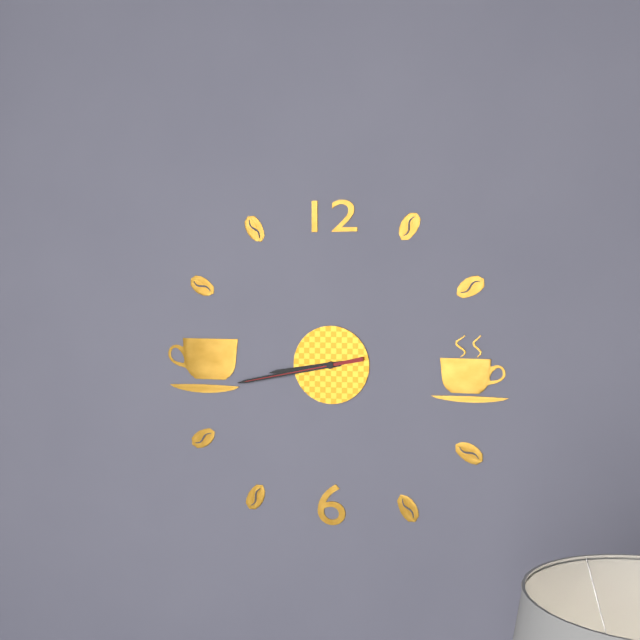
**8:43:43**
